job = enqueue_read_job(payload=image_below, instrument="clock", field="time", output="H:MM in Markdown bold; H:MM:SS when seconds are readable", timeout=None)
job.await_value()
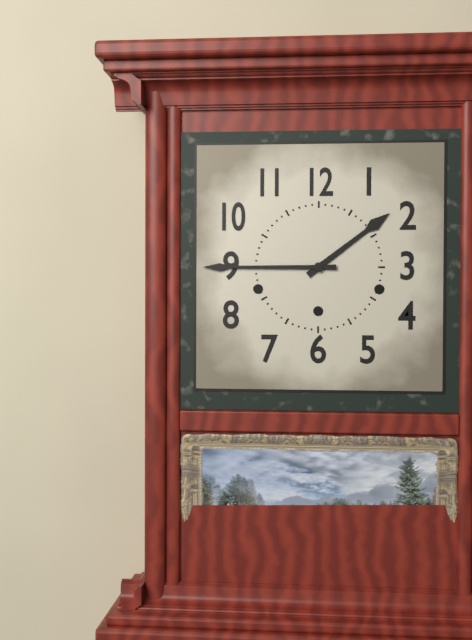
**1:45**
